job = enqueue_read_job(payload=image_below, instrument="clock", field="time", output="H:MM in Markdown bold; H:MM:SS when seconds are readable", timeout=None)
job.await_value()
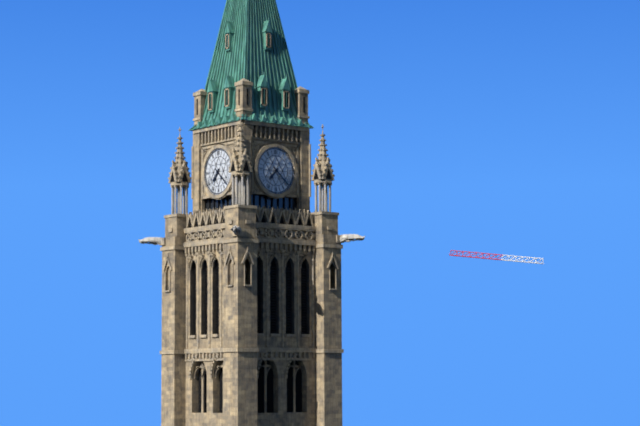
**7:22**
